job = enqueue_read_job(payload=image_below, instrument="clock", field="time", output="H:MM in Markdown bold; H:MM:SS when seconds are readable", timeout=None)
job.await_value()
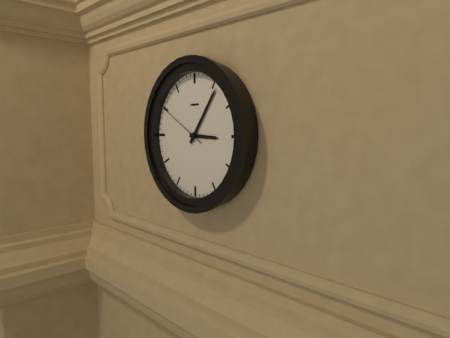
**3:06:50**
